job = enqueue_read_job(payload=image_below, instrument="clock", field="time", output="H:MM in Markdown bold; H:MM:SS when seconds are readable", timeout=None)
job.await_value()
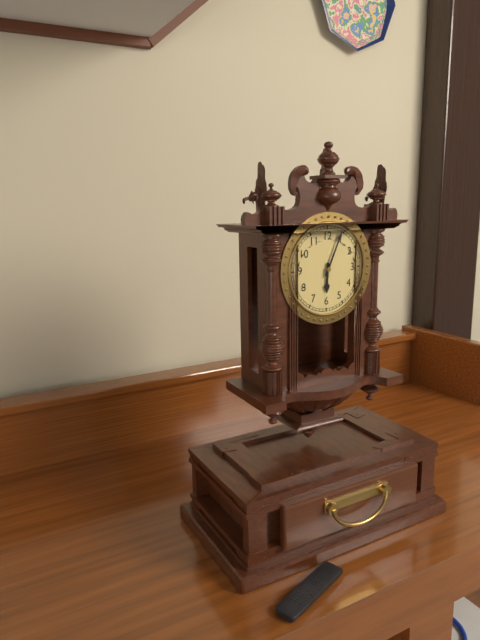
**6:04**
